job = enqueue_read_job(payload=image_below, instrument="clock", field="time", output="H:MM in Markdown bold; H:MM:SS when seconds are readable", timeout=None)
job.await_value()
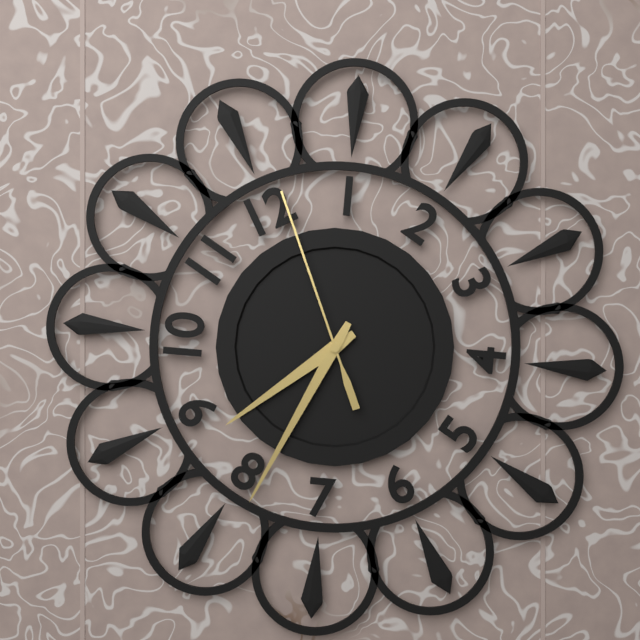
**8:39:01**
